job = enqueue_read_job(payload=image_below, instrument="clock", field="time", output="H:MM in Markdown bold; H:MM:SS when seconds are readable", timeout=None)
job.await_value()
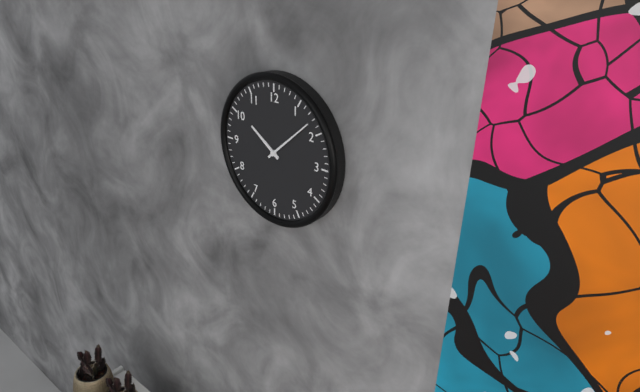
**10:08**
